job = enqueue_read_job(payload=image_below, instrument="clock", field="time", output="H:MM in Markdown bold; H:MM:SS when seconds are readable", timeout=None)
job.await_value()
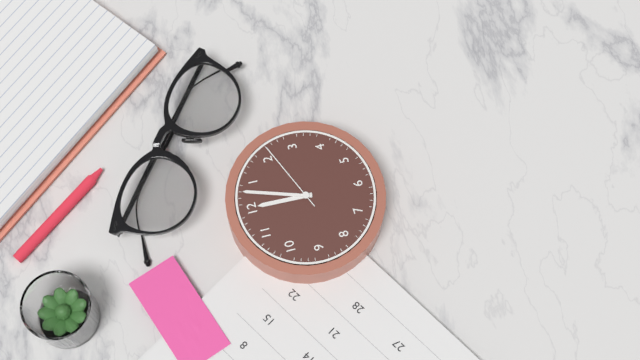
**12:03:11**
